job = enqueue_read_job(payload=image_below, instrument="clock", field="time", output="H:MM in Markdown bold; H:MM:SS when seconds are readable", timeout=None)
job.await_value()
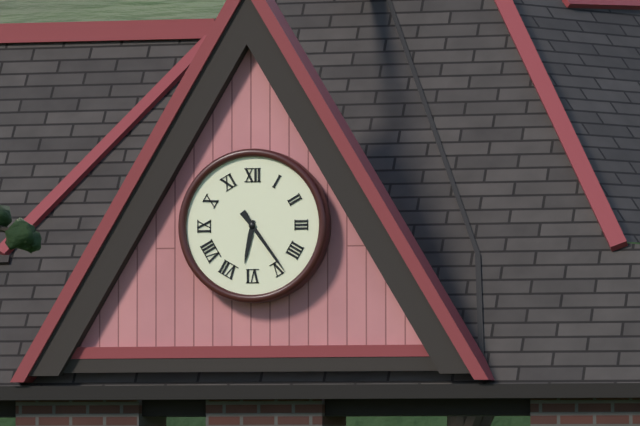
**6:24**
